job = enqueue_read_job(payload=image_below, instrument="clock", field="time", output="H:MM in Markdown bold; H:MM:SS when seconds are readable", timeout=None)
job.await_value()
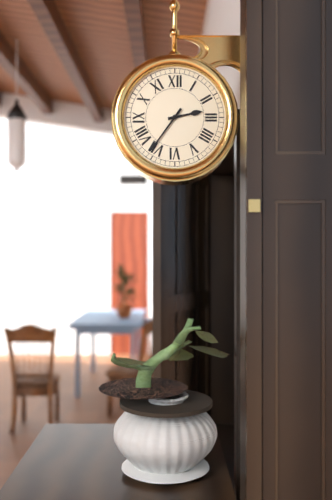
**2:36**
